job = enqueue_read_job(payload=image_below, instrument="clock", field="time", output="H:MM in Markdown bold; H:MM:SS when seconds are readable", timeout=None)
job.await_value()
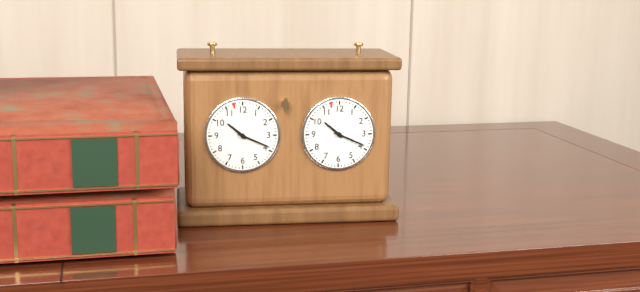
**10:19**
